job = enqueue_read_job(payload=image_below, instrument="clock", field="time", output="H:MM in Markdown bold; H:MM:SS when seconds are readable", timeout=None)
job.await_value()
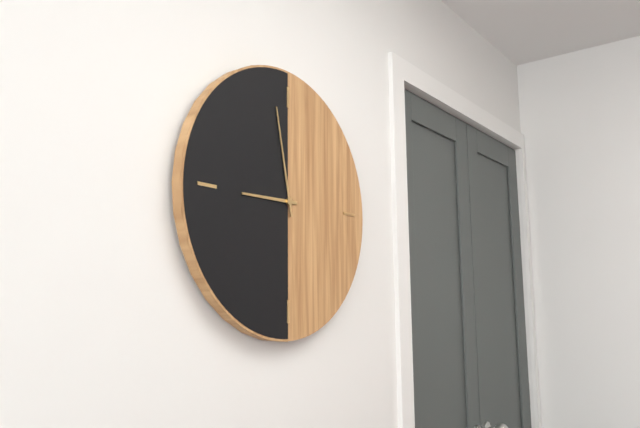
**8:58**
